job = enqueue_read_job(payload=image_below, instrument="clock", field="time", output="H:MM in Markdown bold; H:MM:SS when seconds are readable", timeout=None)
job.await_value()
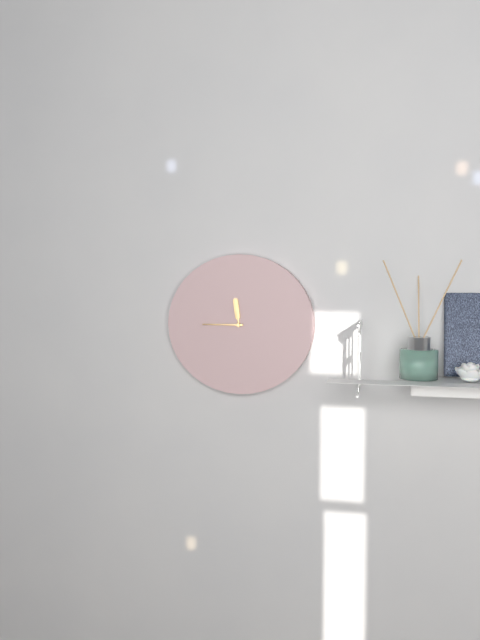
**11:45**
